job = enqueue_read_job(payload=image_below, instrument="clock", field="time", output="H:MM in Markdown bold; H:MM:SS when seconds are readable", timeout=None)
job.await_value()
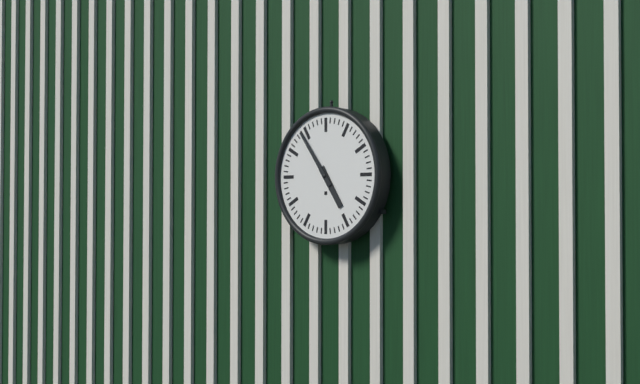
**4:54**
